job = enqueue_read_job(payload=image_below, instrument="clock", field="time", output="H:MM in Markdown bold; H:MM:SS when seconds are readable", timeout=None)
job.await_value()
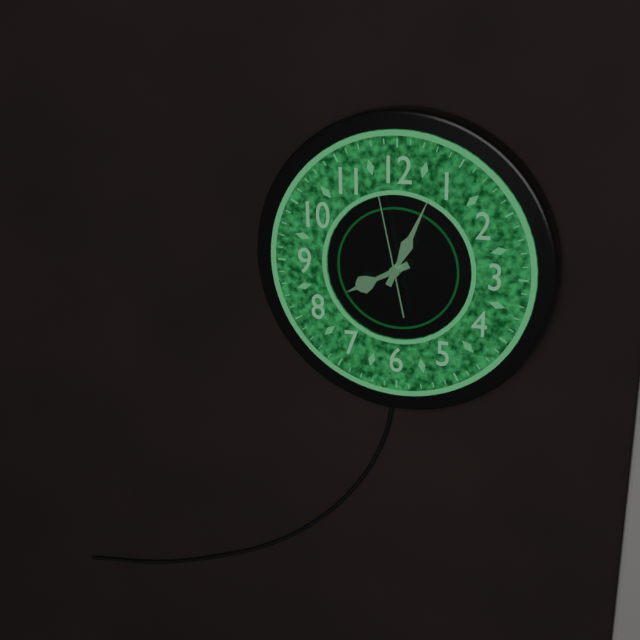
**8:04:58**
